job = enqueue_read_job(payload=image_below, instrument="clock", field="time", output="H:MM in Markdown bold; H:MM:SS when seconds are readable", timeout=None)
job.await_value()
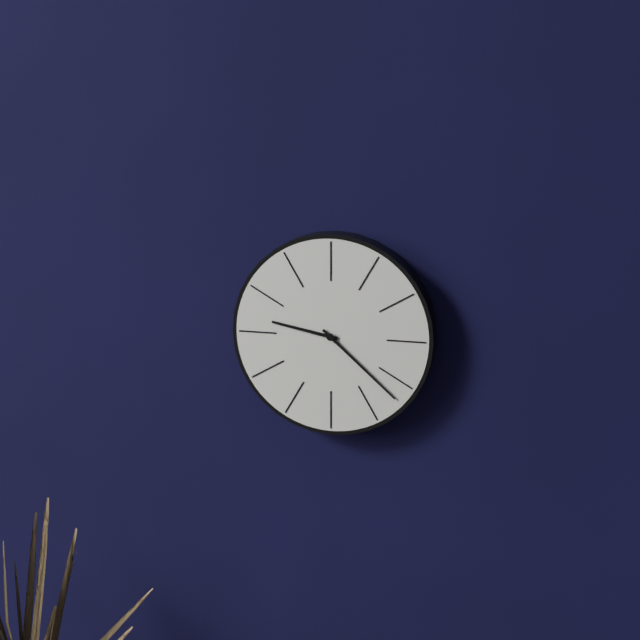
**9:22**
